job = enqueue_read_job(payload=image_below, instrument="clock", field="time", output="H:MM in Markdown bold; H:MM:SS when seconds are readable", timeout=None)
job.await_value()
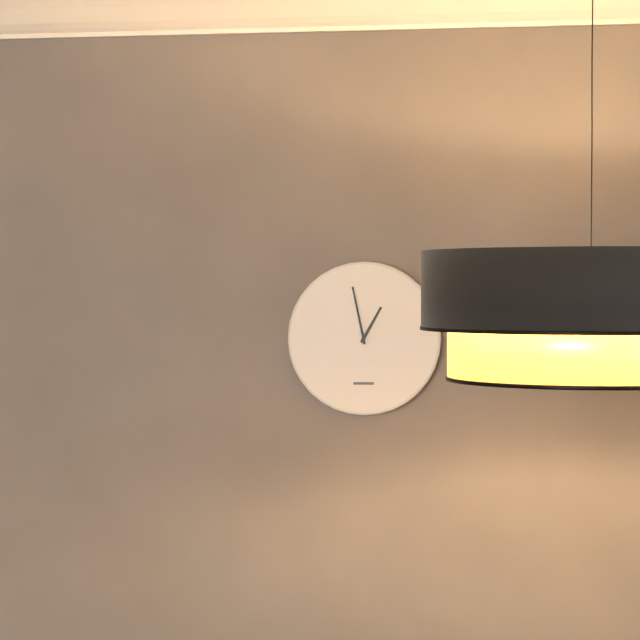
**12:58**
